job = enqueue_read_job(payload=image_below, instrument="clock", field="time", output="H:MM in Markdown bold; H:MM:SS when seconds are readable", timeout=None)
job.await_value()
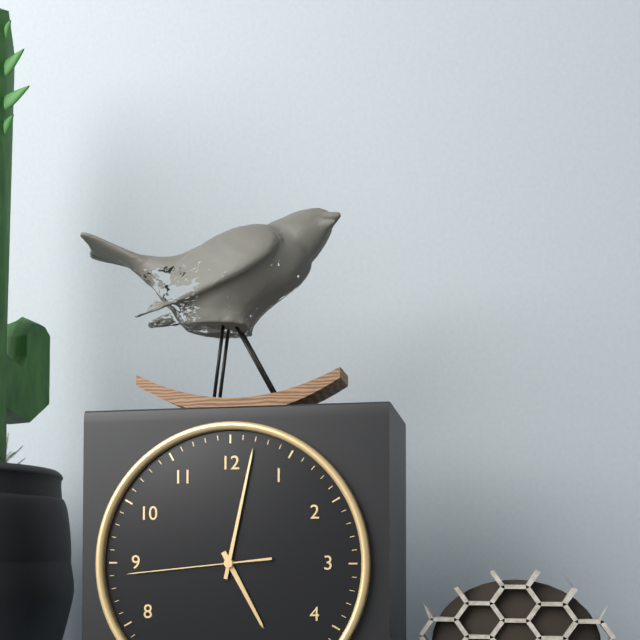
**5:02:44**
